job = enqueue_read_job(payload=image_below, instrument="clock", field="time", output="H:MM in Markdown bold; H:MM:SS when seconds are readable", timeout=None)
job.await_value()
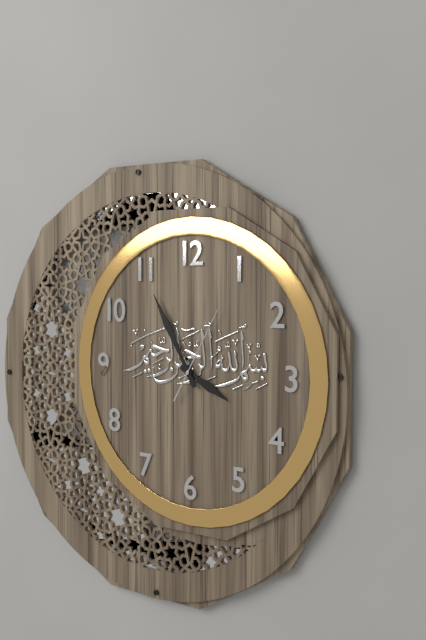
**3:55:05**
